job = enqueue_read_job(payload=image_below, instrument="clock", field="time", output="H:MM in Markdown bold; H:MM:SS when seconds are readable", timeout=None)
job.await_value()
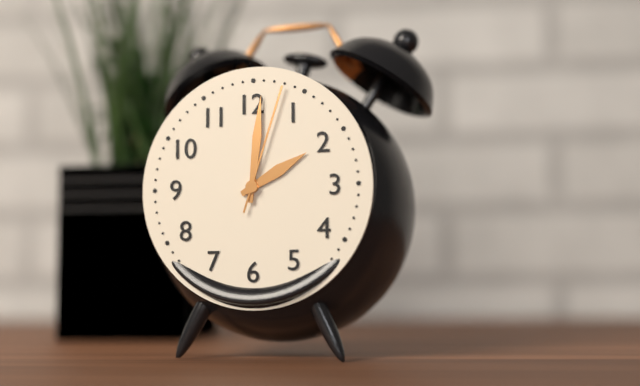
**2:01:03**
